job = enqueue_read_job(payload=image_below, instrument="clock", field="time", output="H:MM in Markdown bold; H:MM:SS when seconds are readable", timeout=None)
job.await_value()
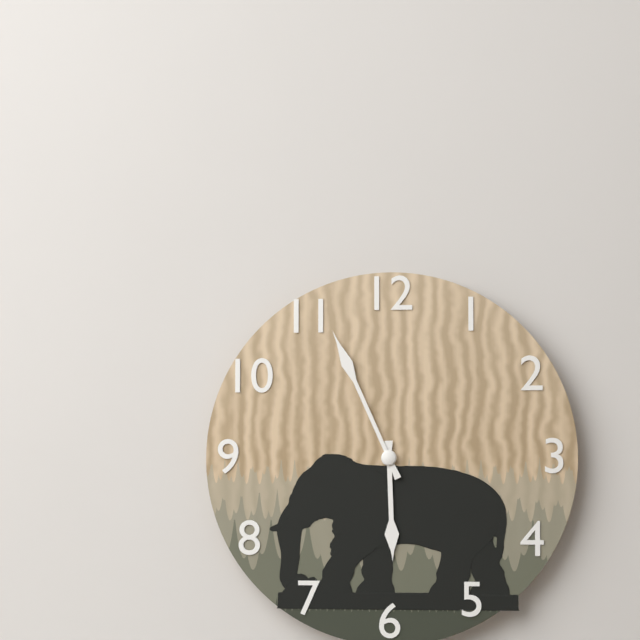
**5:56**
